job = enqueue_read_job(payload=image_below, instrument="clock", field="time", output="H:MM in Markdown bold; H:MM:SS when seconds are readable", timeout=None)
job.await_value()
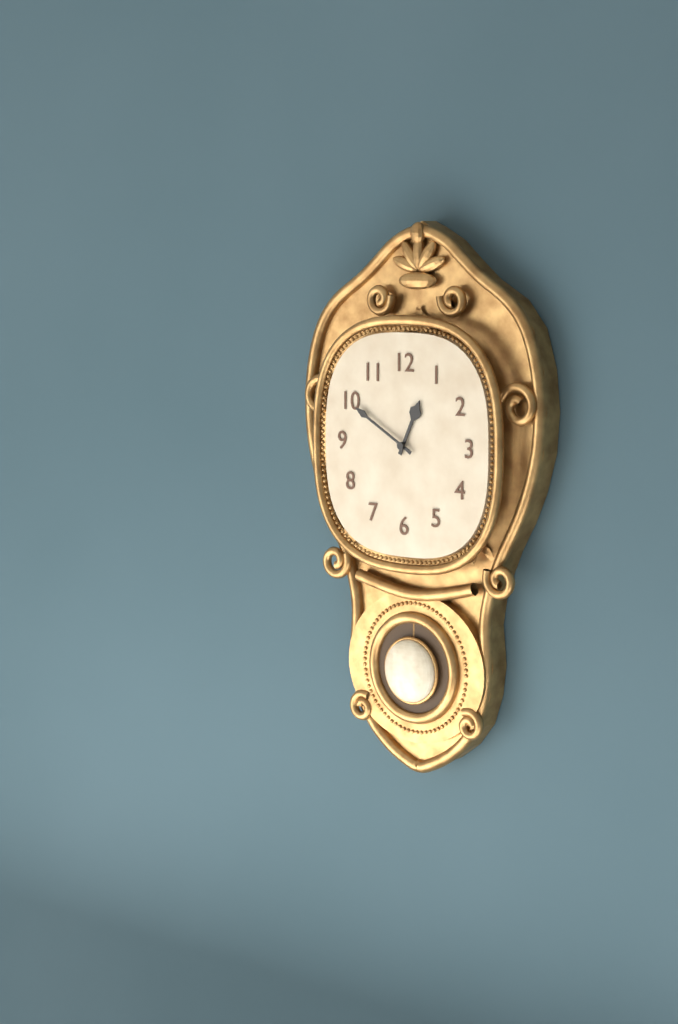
**12:50**
